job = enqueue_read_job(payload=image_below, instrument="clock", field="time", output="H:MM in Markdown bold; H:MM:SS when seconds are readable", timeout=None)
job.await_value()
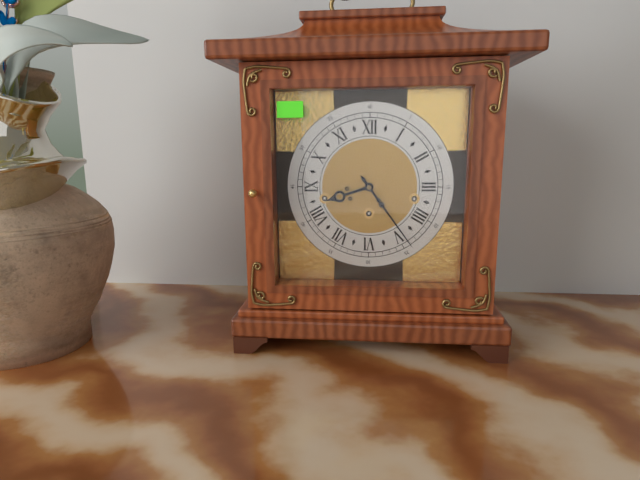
**8:24**
